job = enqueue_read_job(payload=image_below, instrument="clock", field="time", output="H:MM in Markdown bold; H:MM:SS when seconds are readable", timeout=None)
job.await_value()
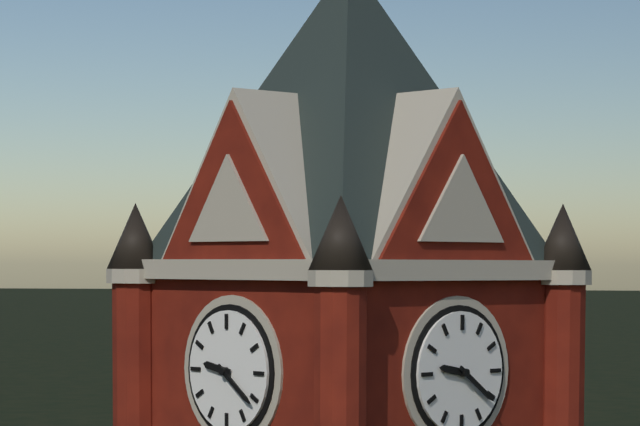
**9:21**
